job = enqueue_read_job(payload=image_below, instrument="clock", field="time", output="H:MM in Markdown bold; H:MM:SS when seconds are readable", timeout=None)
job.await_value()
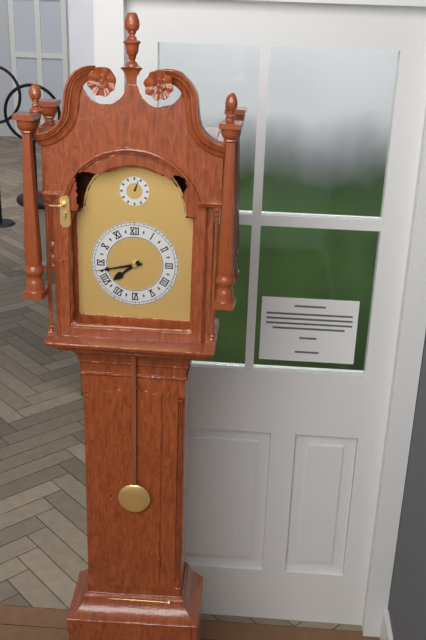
**7:43**
